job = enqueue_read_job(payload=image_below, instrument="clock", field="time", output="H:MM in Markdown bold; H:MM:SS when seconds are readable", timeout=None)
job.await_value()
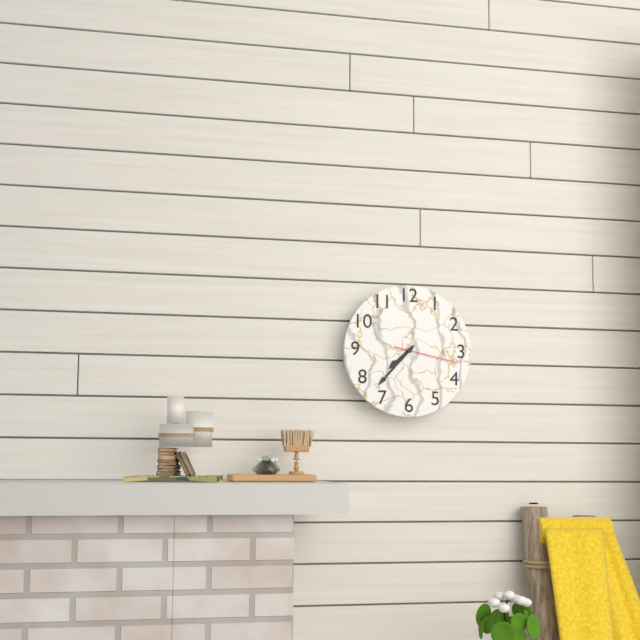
**7:37:17**
